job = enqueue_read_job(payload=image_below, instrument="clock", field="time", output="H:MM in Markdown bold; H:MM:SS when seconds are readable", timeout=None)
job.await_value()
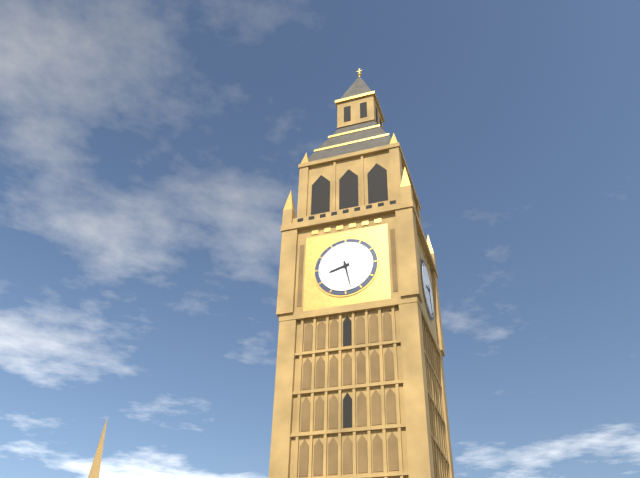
**8:28**
